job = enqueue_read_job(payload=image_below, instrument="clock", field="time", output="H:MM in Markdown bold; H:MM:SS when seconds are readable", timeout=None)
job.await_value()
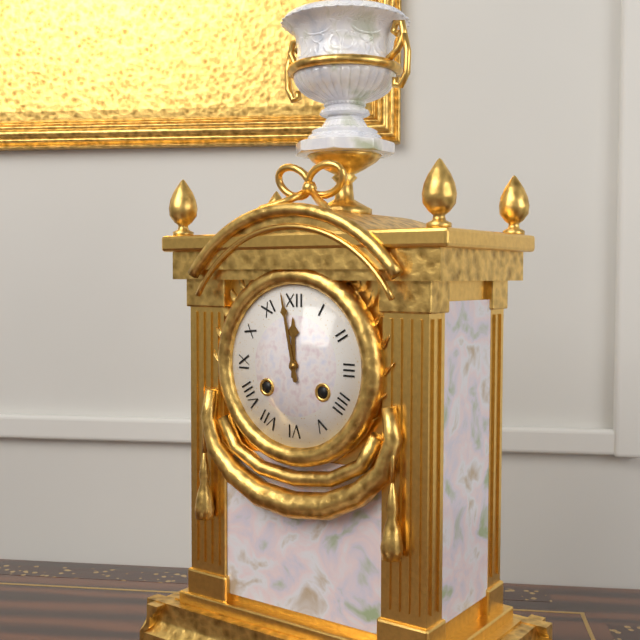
**11:58**
